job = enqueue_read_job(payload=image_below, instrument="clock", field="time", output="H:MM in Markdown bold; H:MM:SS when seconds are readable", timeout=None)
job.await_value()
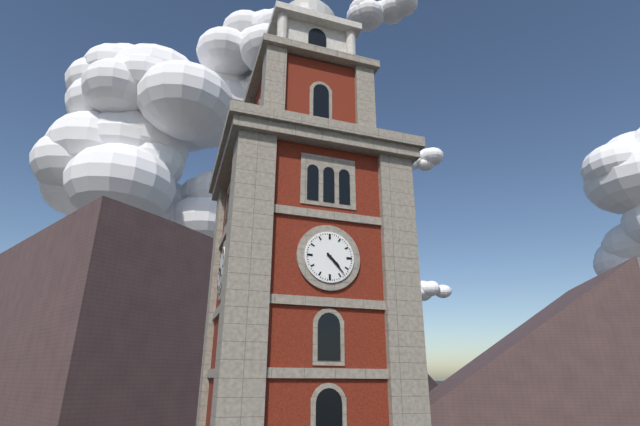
**4:23**
